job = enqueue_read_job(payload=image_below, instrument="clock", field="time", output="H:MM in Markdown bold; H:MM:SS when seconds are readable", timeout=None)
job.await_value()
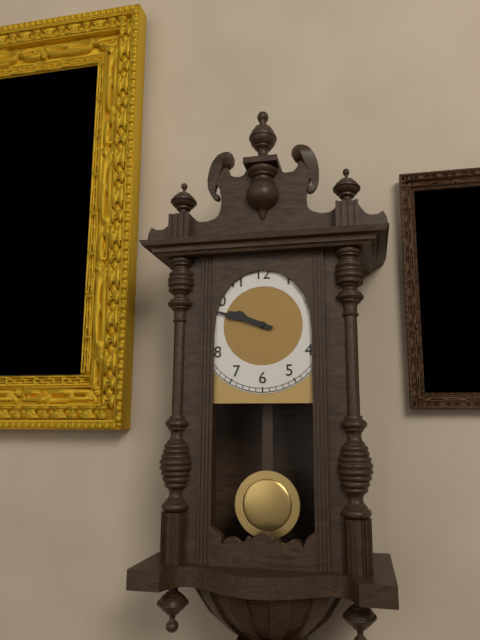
**9:48**
